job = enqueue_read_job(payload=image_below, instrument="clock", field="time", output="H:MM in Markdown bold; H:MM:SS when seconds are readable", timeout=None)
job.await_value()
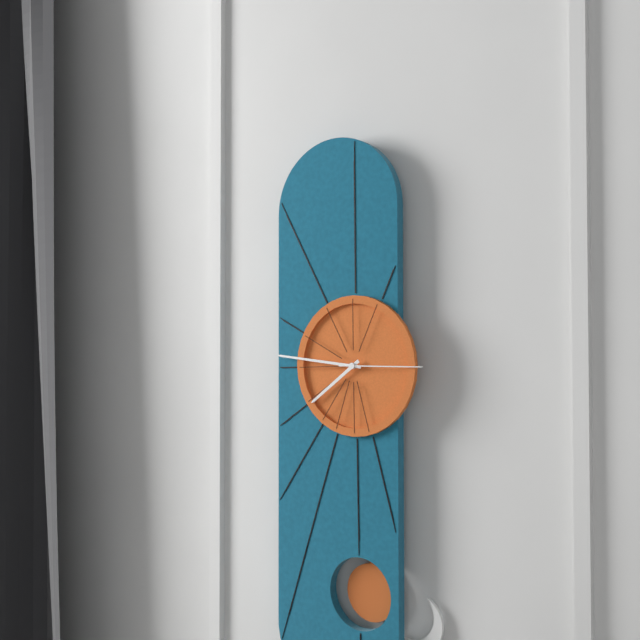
**7:46:15**
